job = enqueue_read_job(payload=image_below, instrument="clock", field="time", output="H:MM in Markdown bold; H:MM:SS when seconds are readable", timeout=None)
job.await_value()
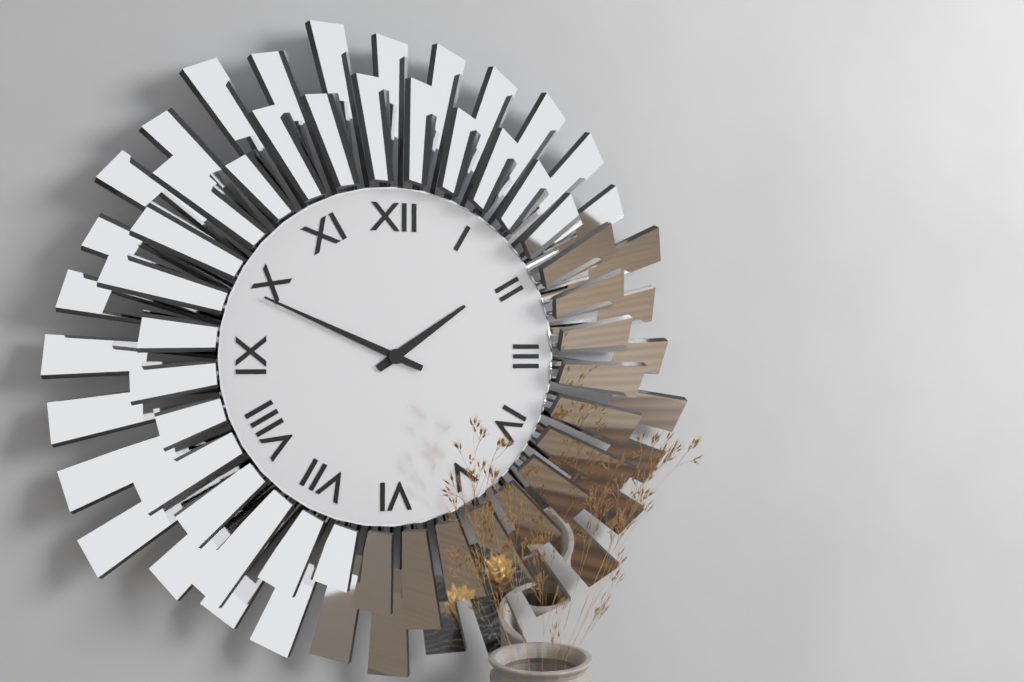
**1:49**
